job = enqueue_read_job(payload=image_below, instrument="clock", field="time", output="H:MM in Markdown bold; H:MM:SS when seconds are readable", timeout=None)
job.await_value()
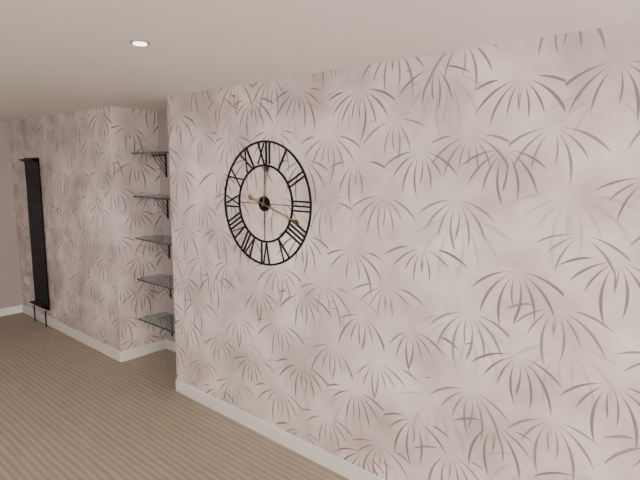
**12:18**
